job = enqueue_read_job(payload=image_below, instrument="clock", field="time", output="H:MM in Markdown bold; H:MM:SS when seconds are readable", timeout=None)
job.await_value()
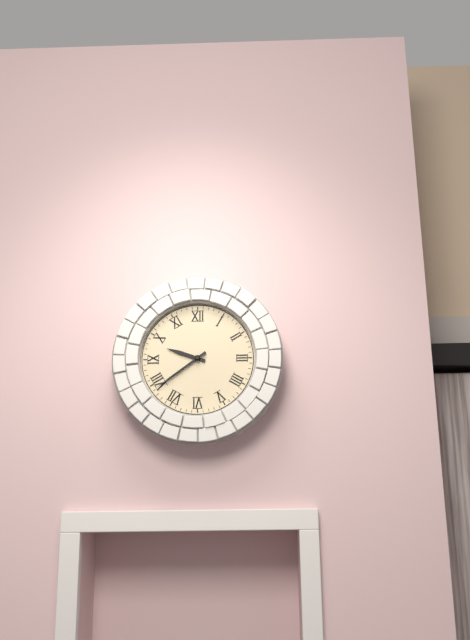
**9:39**
